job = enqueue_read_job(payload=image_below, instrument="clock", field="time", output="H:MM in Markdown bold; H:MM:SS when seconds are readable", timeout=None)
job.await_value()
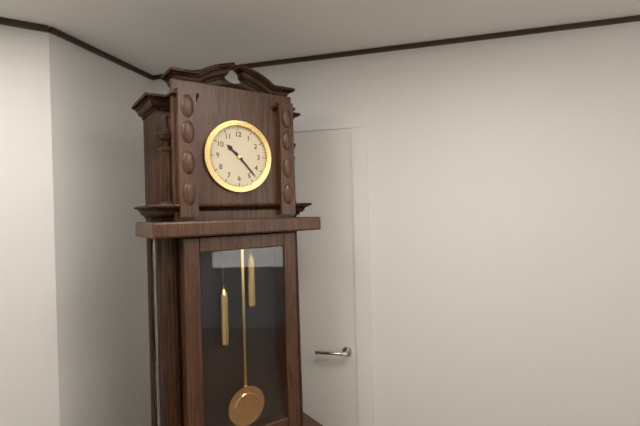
**10:23**
